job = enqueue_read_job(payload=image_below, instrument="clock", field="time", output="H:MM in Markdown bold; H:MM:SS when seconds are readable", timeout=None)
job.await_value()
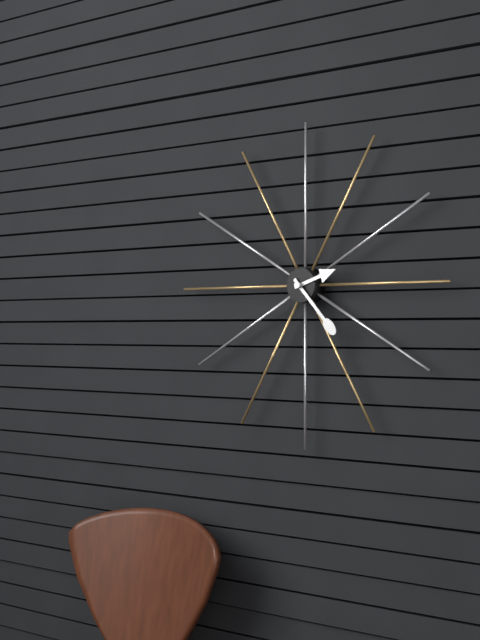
**2:23**
